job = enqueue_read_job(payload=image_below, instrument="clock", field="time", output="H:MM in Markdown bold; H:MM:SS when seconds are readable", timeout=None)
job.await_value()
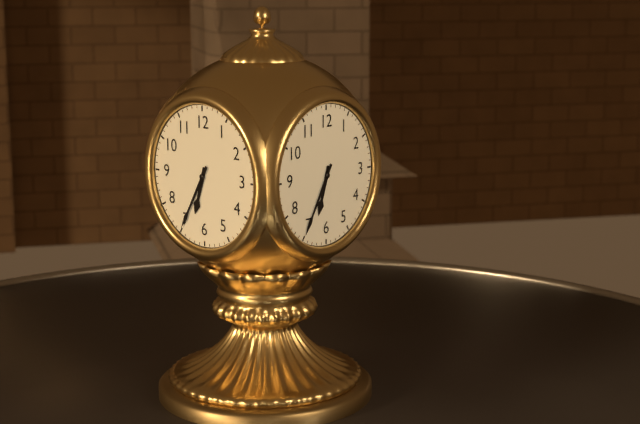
**6:35**
